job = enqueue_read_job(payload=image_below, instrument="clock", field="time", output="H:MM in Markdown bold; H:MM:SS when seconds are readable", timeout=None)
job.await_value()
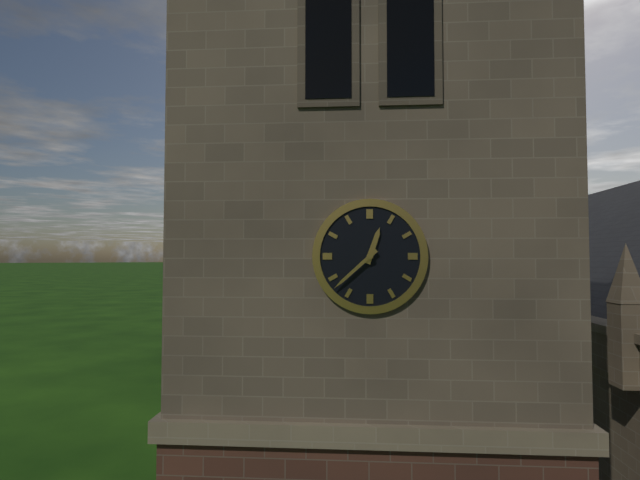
**12:38**
